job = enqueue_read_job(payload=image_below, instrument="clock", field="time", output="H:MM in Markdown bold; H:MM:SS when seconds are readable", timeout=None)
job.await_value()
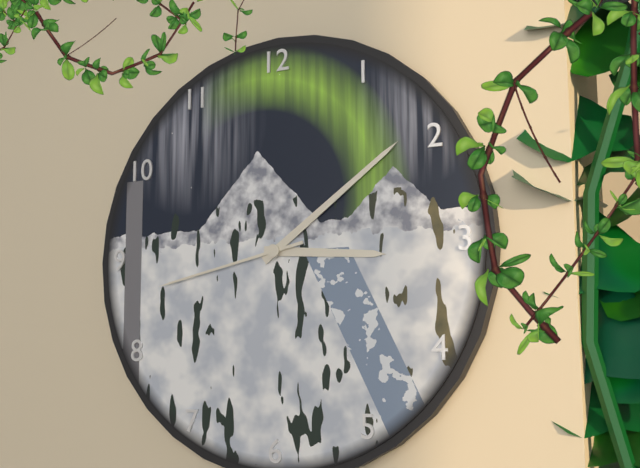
**3:09:43**
